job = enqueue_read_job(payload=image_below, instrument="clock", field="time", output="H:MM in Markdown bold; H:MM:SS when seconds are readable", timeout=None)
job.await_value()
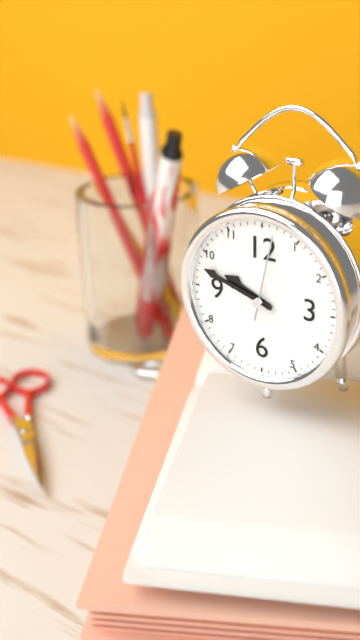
**9:48:02**
